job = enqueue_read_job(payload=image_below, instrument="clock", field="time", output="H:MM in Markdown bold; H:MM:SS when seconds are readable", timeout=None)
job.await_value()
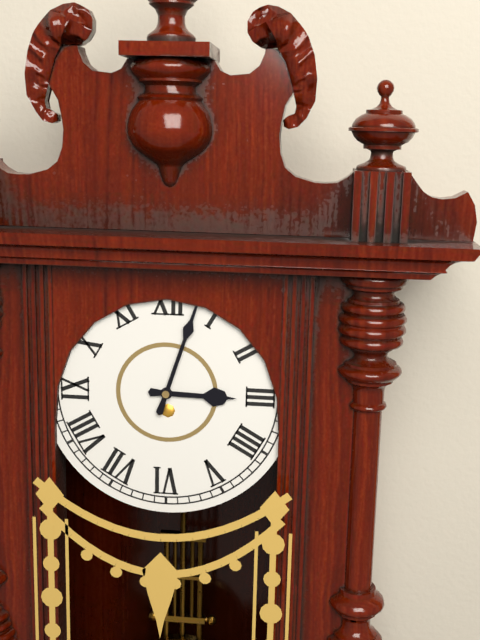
**3:03**
